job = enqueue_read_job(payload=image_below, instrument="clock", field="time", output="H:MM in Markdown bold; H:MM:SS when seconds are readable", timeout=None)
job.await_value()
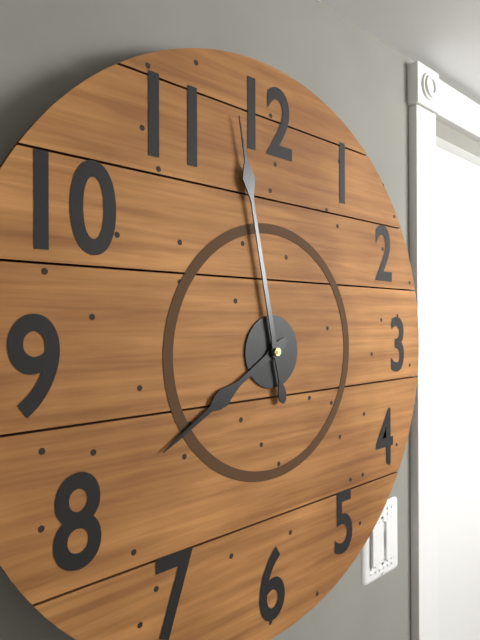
**7:58**
